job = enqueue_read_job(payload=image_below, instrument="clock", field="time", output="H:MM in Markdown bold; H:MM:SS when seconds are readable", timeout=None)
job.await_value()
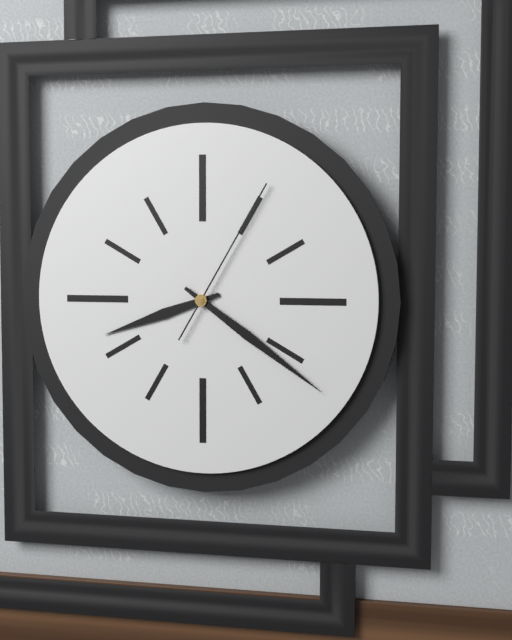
**8:21:05**
